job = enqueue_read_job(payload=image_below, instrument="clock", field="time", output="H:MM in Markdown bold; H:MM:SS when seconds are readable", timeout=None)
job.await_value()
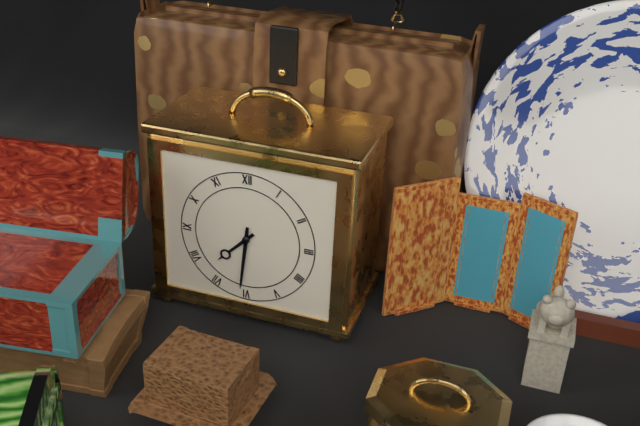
**7:31**
